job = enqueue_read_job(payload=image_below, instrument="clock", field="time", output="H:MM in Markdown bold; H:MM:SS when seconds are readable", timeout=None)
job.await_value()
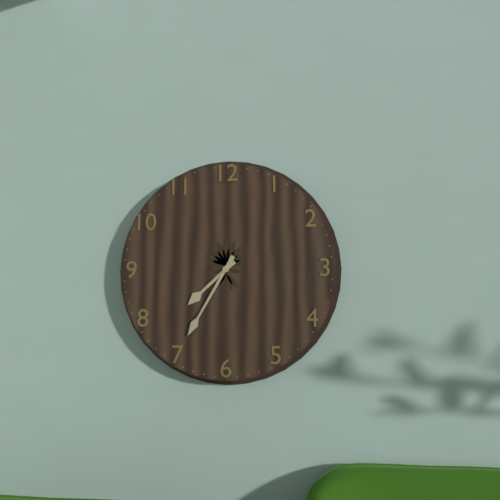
**7:35**
